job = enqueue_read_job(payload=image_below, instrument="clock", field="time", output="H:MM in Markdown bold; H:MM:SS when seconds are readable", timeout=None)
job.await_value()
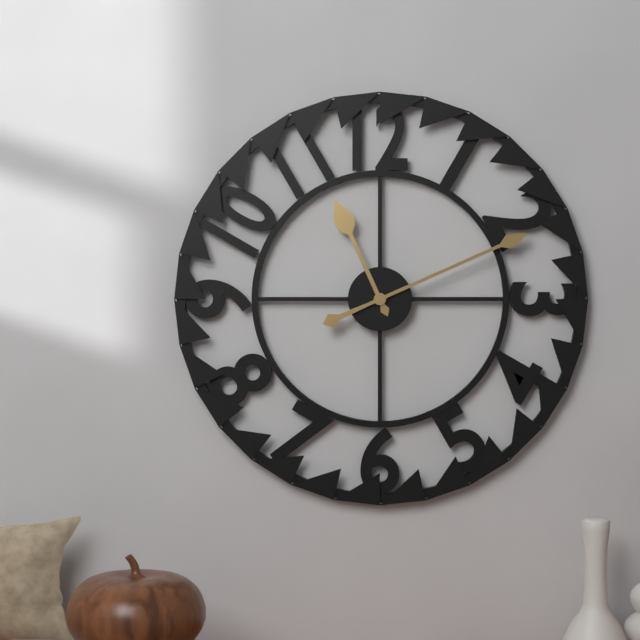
**11:11**
